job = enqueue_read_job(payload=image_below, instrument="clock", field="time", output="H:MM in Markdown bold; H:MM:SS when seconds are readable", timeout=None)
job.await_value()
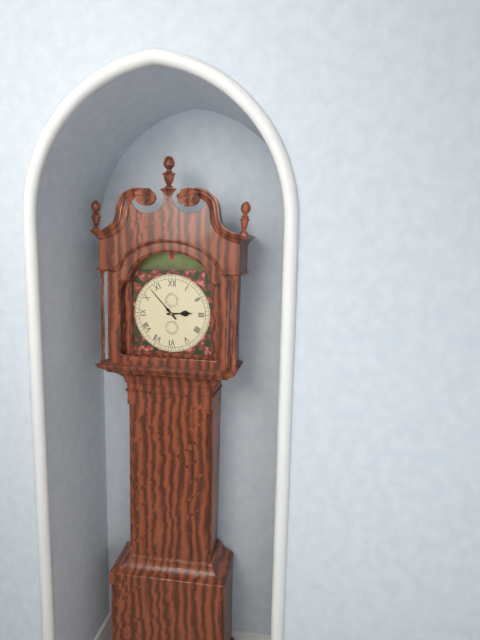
**2:53**
